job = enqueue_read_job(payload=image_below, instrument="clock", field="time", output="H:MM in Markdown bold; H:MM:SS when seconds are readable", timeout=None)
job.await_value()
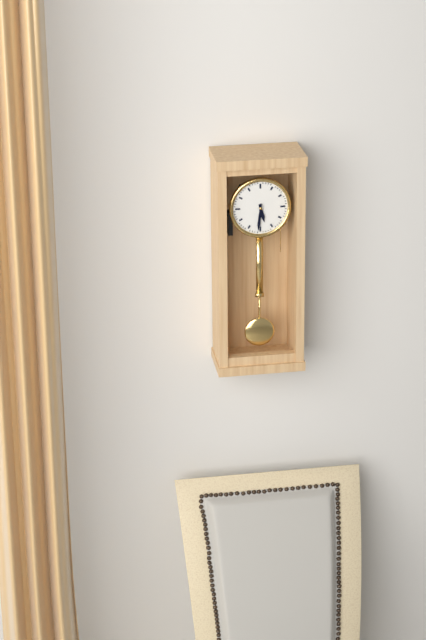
**5:31**
